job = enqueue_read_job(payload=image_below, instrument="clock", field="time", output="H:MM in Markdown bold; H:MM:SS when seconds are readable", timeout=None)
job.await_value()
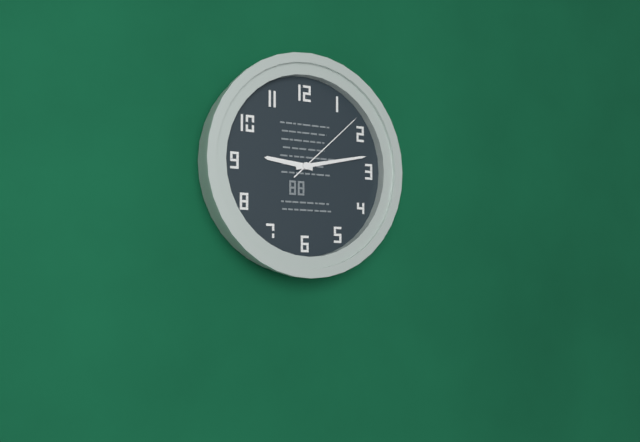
**9:13:08**
